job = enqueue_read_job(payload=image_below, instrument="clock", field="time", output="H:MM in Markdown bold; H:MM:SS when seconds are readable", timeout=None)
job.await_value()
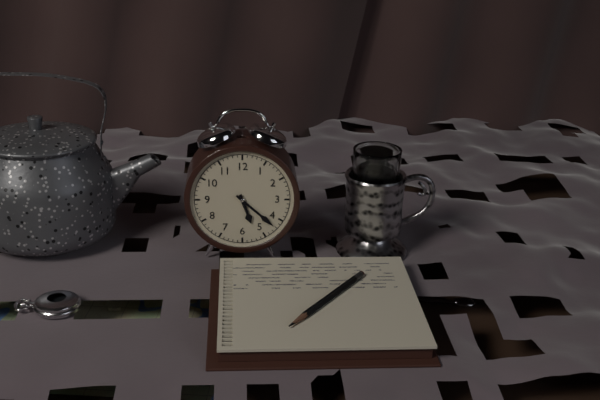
**5:22**
